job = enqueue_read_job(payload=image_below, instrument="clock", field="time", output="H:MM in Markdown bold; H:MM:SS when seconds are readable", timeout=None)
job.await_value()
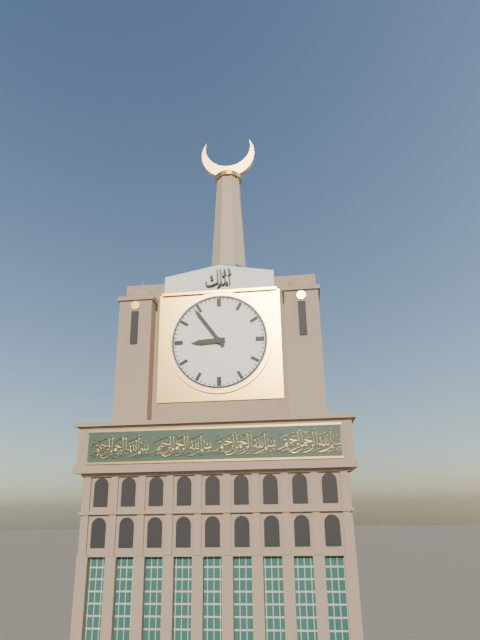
**8:54**
